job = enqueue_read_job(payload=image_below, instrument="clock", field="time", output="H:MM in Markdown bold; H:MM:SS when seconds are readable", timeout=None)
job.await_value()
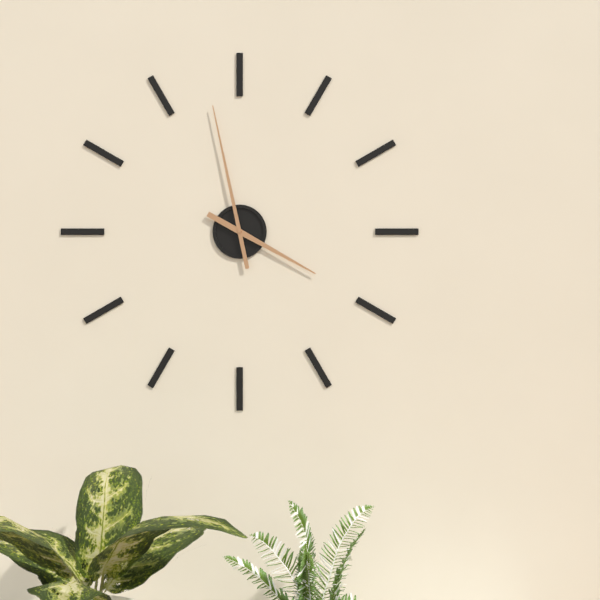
**3:58**
